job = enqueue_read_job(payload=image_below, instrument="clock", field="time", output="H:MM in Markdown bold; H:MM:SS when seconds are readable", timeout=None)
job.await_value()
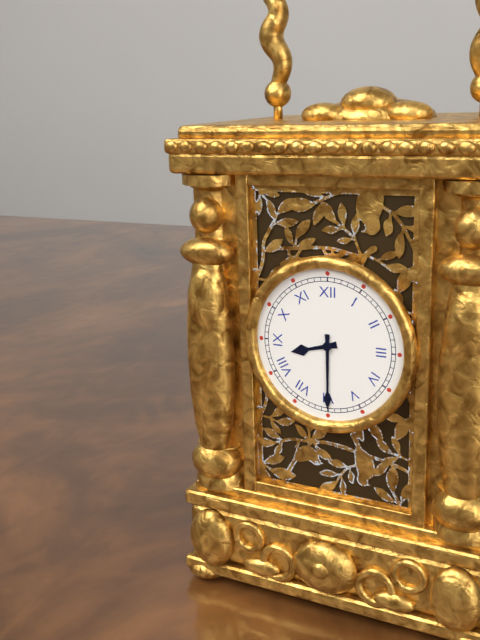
**8:30**
